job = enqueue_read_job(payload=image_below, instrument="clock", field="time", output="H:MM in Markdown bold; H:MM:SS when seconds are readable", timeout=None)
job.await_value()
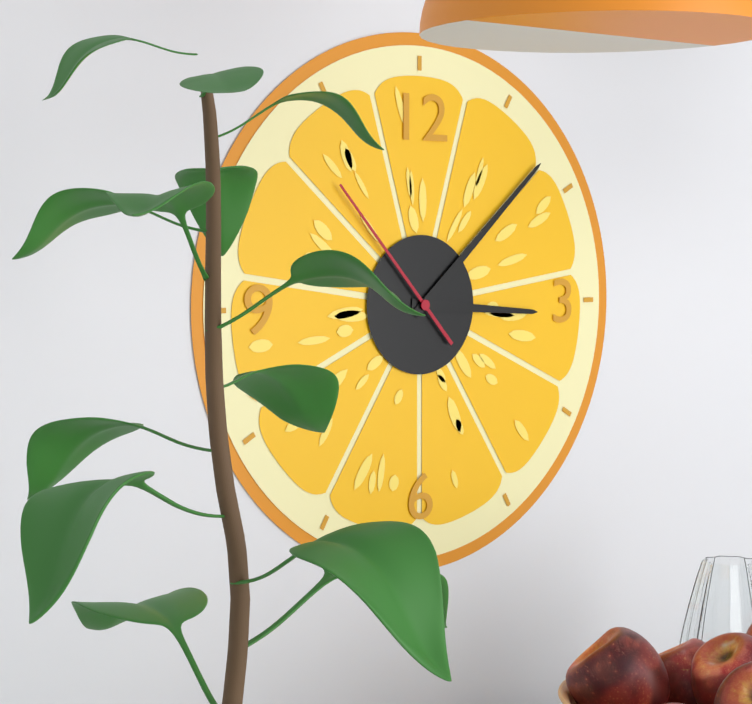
**3:08:53**
